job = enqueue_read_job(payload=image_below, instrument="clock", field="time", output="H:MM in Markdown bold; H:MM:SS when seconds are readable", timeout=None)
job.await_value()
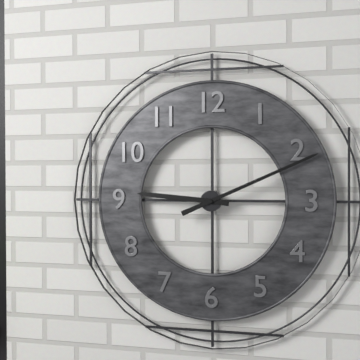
**9:11**
